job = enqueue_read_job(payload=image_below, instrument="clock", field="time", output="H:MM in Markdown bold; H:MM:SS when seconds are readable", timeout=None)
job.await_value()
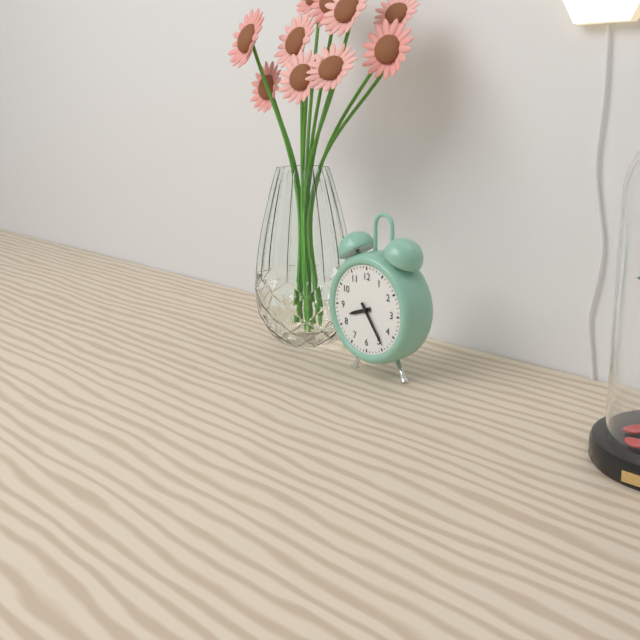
**8:24**
